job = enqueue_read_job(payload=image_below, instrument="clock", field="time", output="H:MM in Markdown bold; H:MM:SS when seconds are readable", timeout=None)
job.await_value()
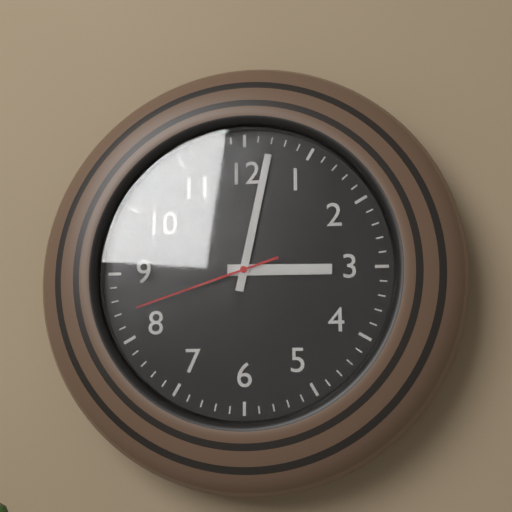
**3:02:42**
